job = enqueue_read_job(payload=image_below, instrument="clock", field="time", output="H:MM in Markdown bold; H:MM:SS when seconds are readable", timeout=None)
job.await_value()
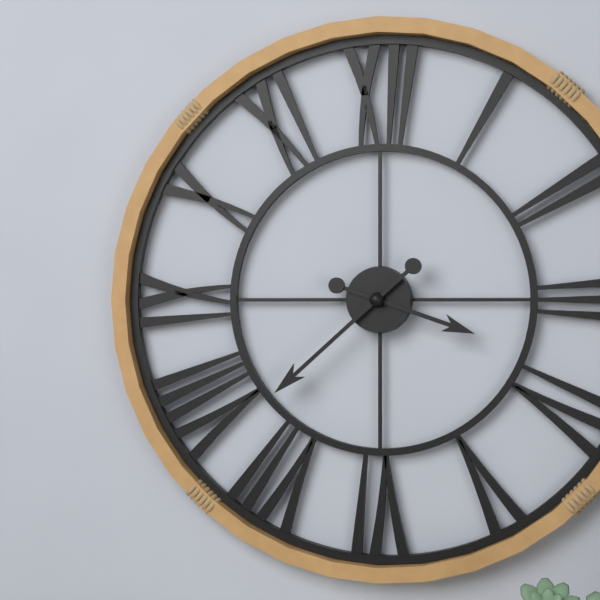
**3:38**
